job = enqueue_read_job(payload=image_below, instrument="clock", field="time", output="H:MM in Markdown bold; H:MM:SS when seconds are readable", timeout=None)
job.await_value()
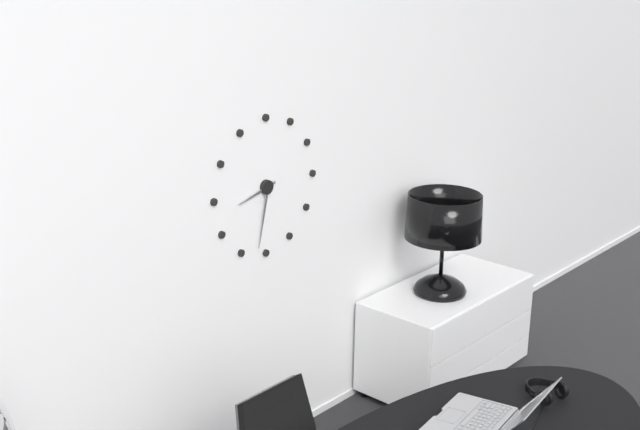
**8:32**
